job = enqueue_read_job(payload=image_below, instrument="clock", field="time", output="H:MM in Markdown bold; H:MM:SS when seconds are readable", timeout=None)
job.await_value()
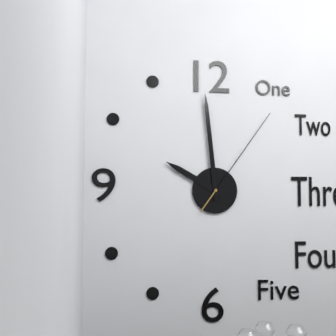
**9:59:06**
